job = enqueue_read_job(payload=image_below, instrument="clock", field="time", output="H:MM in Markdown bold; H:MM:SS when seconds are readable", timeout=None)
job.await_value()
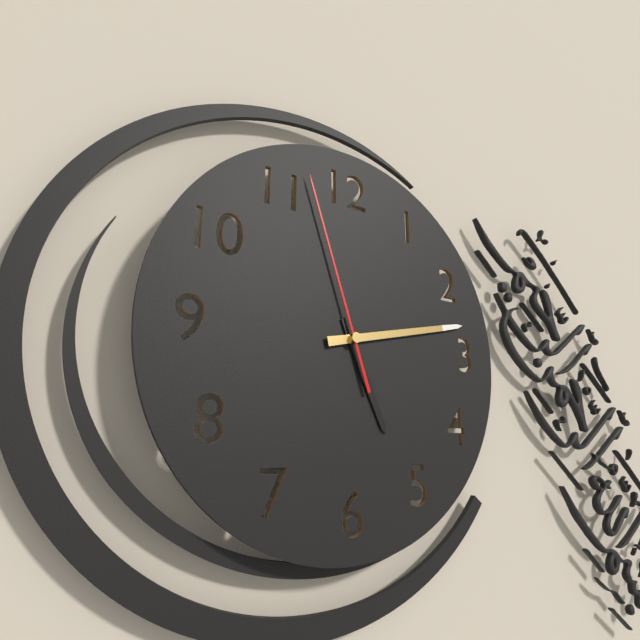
**5:13:57**
